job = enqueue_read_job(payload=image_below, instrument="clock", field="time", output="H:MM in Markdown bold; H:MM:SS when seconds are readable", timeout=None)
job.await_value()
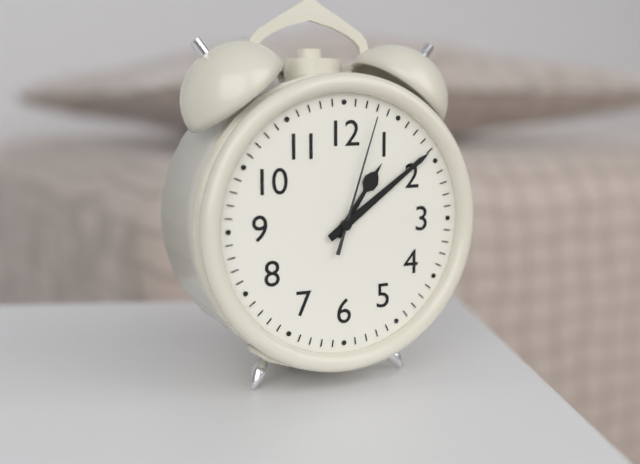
**1:09:03**
